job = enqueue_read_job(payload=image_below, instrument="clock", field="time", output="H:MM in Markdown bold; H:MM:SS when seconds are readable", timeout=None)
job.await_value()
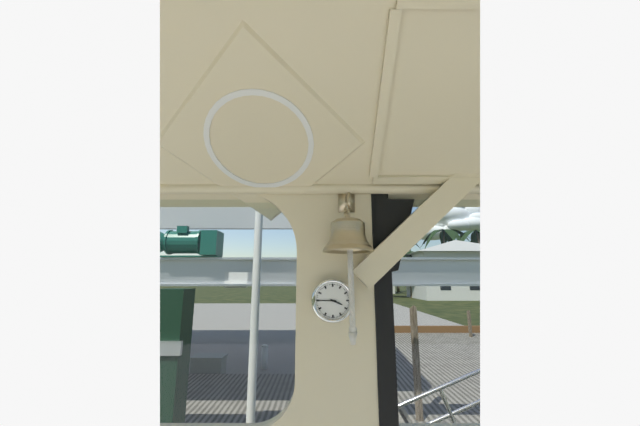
**3:45**
